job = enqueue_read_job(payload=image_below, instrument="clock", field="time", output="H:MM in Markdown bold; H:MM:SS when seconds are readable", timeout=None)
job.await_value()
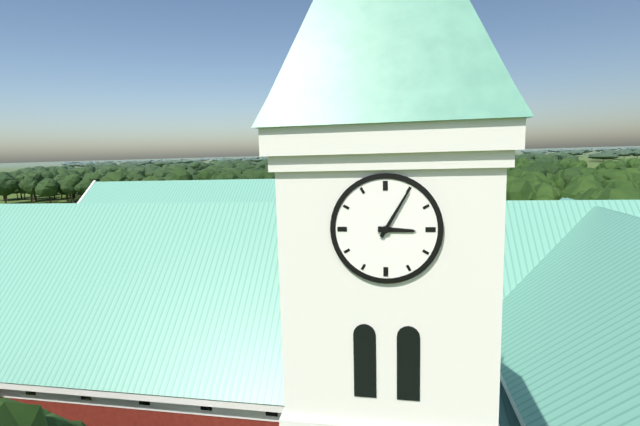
**3:05**
